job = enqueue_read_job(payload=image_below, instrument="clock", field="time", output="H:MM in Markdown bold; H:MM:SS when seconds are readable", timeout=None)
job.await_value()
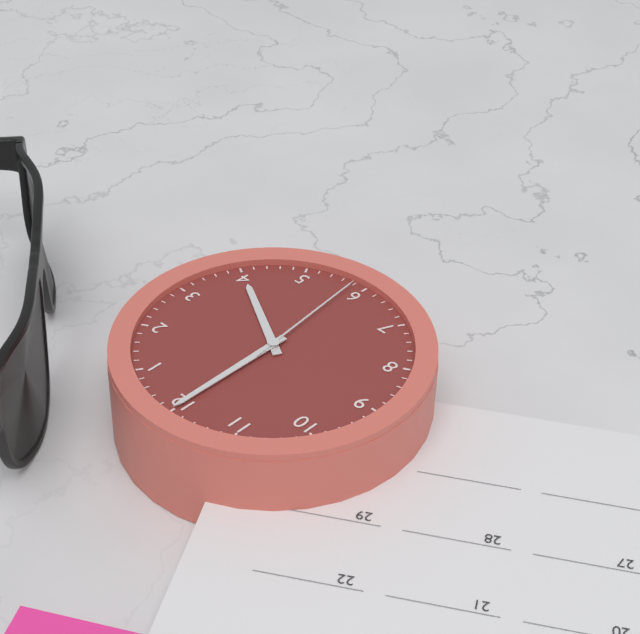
**4:00:29**
